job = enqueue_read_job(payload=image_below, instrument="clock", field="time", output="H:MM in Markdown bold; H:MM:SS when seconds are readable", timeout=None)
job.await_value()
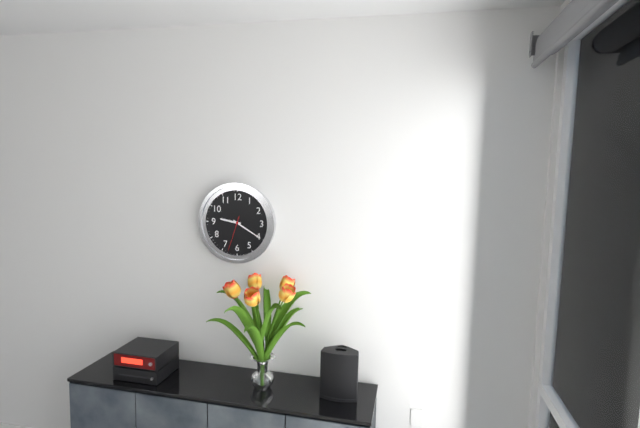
**9:20**
